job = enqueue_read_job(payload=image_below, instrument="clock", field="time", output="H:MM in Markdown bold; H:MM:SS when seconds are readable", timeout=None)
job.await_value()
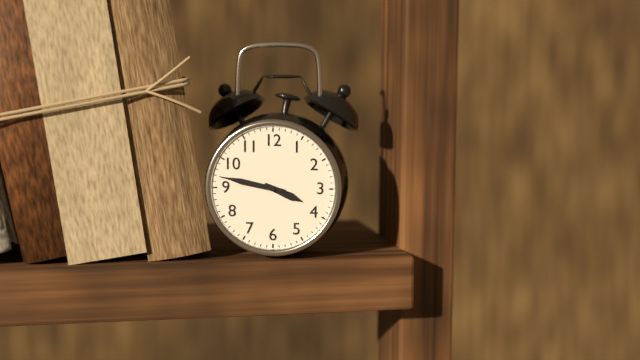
**3:47:47**
